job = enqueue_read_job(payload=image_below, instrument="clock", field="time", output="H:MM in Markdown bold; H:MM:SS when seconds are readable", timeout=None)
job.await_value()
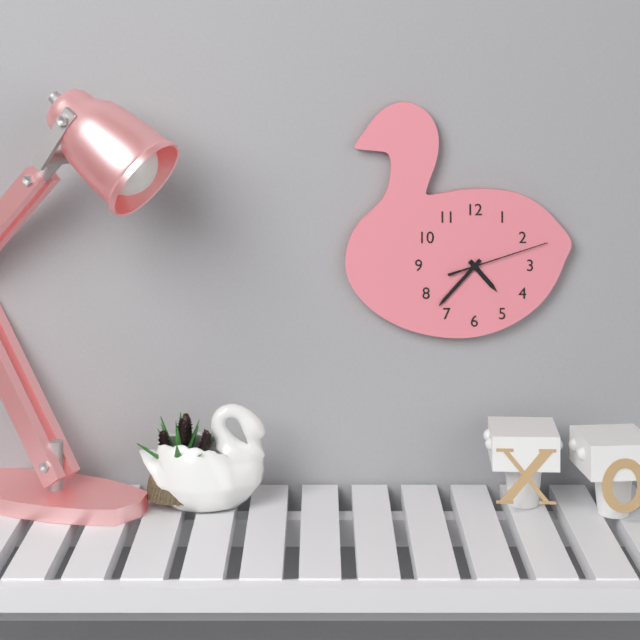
**4:37:12**
